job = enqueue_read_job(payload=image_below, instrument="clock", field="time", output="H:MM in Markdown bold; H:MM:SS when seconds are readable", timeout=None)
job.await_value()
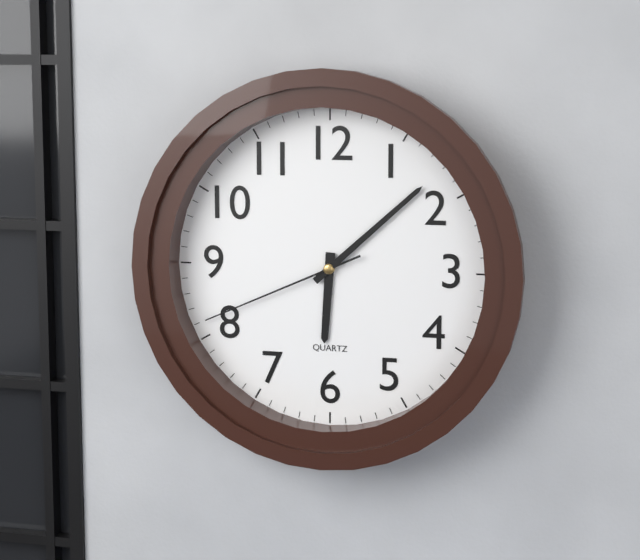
**6:08:41**
